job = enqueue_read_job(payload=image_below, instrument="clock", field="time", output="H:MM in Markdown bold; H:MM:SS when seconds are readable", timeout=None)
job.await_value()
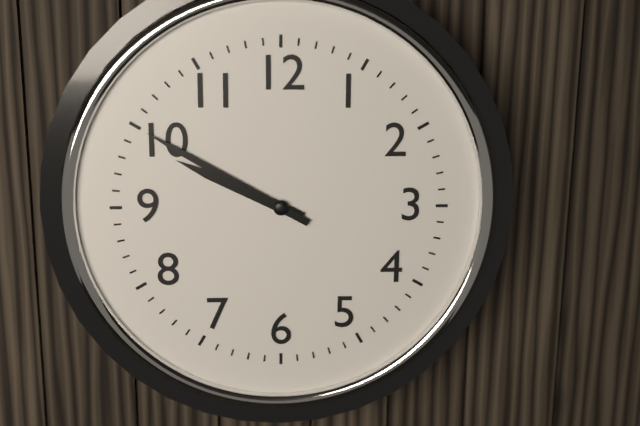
**9:50**
